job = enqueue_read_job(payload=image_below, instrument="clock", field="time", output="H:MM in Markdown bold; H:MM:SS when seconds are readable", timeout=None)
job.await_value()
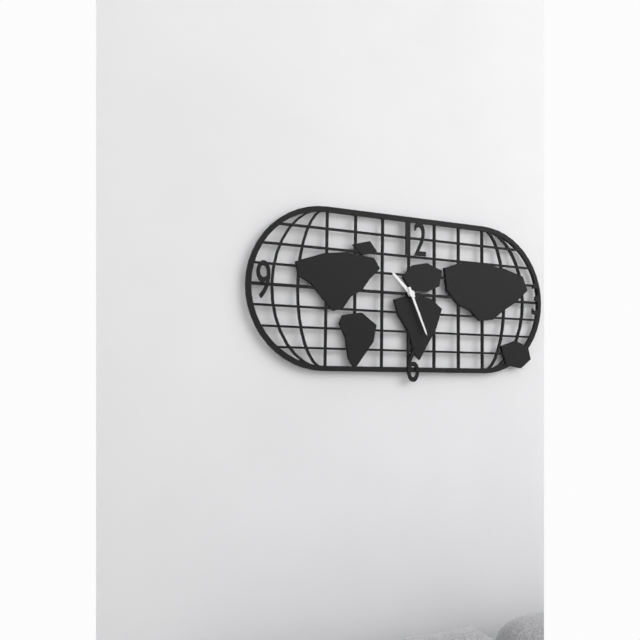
**10:26**
